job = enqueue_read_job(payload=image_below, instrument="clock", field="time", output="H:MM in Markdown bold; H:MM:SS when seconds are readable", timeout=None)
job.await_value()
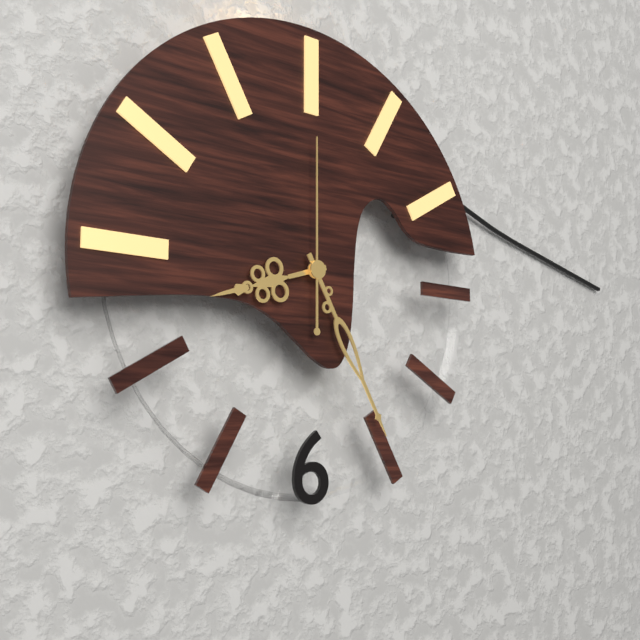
**8:25:00**
